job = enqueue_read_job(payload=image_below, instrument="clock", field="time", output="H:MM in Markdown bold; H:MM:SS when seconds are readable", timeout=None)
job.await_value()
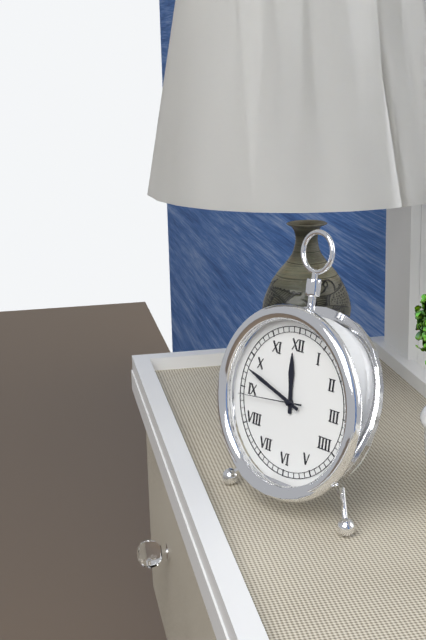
**11:48:44**
